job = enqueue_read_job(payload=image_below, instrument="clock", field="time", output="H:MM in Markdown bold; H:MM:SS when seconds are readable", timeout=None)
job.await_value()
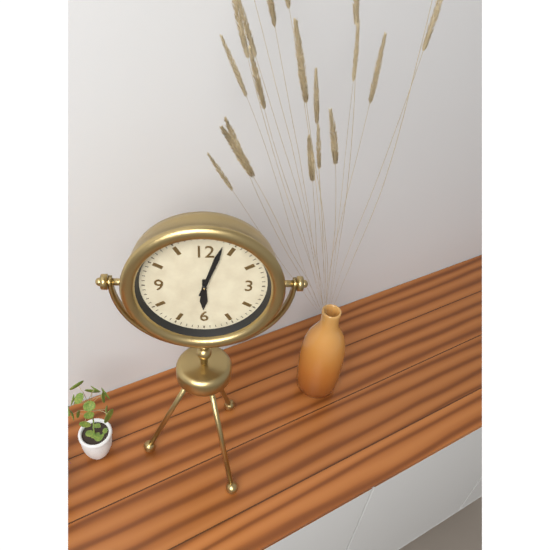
**6:03**
